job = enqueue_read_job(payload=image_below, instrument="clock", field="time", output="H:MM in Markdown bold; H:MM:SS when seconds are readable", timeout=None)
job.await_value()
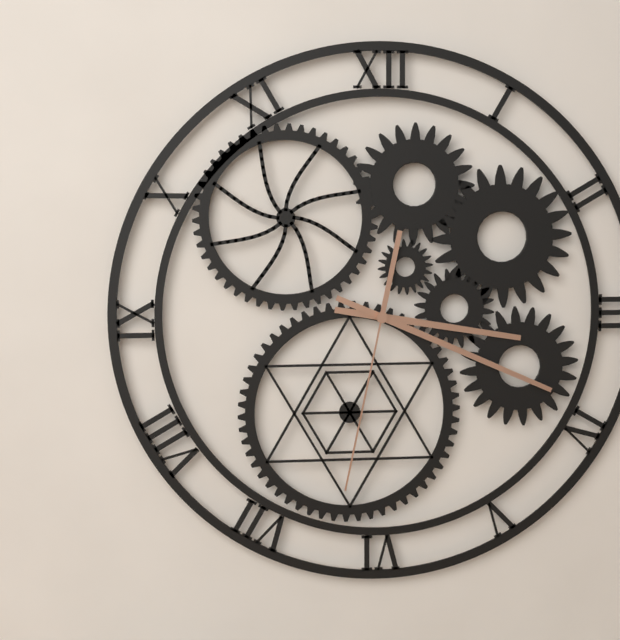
**3:19:32**
